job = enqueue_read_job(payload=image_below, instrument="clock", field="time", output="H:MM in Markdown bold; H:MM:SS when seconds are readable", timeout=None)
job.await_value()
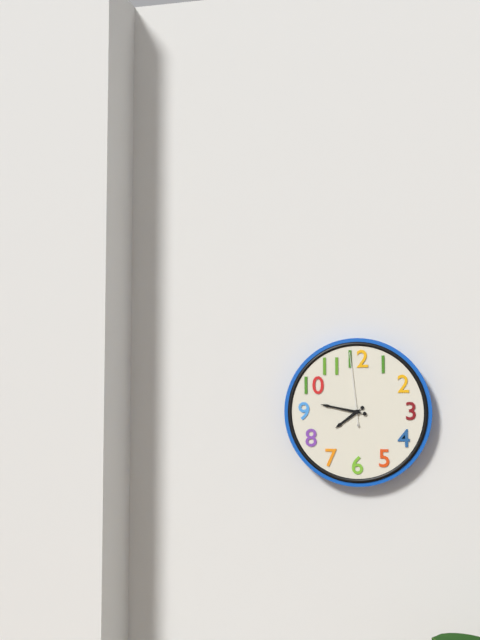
**7:47:59**
